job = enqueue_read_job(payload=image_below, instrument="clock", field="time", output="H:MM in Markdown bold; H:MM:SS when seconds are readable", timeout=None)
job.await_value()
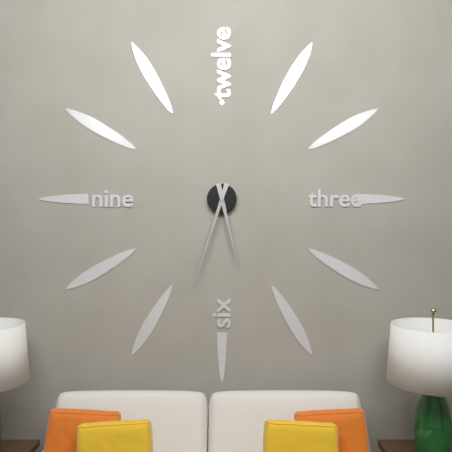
**5:33**
